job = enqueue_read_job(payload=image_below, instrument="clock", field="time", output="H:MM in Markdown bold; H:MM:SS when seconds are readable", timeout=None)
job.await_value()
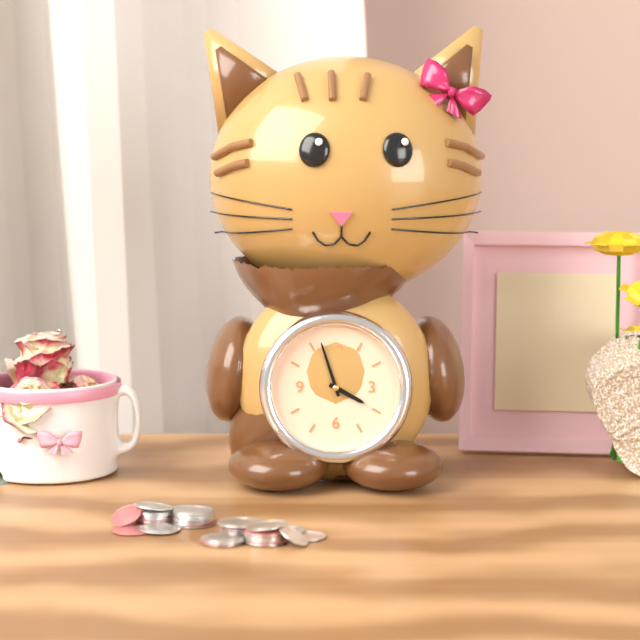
**3:57**
